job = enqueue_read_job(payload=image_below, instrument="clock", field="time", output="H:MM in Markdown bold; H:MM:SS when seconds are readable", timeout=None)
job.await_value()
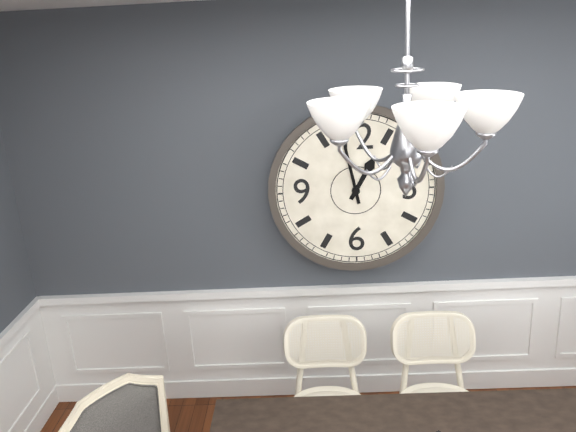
**12:58**
